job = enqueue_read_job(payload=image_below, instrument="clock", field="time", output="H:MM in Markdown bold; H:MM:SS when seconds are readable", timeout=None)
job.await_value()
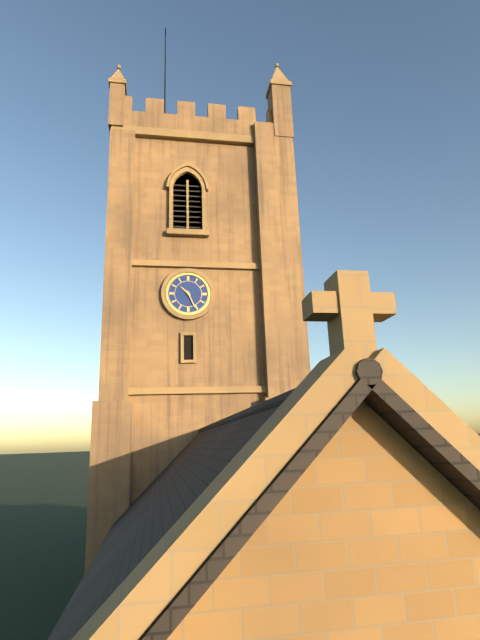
**10:26**
